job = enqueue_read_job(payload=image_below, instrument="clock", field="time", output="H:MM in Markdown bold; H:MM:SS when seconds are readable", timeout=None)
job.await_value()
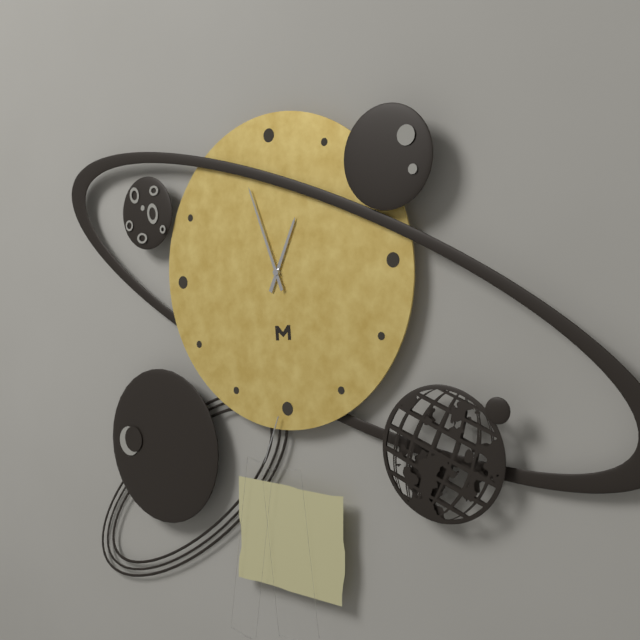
**12:57**
